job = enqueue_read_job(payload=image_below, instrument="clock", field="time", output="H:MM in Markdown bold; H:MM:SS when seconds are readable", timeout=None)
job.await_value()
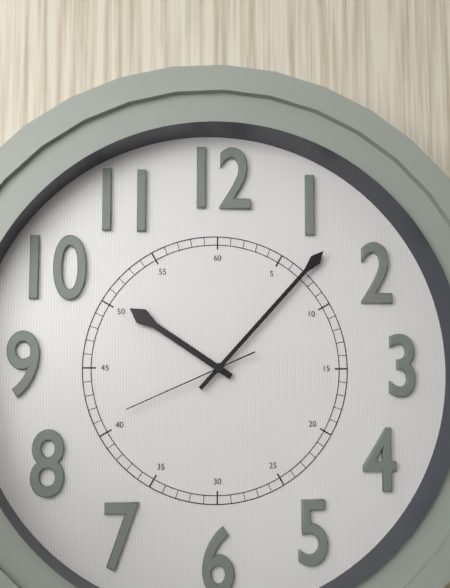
**10:07:41**
